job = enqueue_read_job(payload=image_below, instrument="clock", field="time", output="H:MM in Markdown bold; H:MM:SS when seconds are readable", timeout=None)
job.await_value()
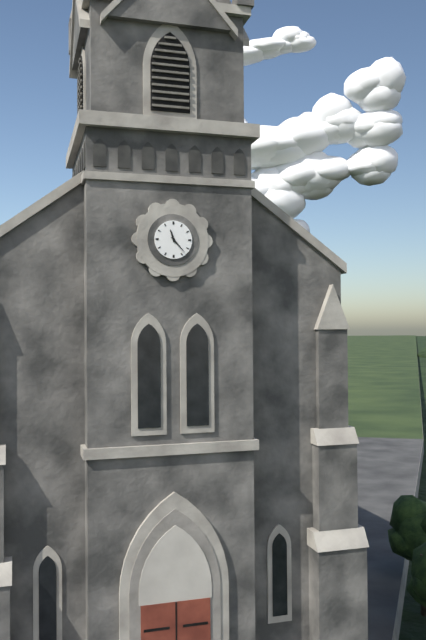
**11:23**
